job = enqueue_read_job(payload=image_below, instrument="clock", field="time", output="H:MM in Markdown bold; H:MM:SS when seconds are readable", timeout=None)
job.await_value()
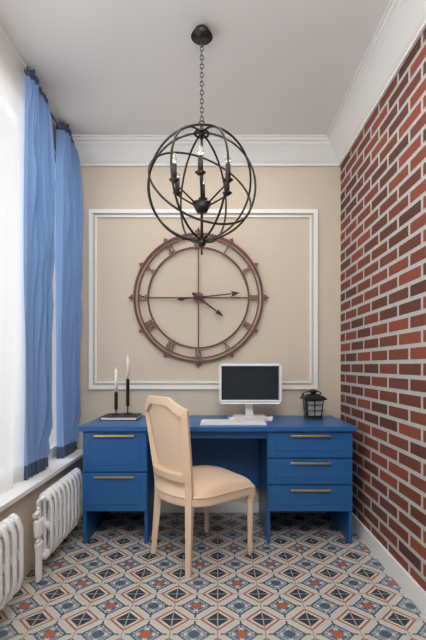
**4:14**
